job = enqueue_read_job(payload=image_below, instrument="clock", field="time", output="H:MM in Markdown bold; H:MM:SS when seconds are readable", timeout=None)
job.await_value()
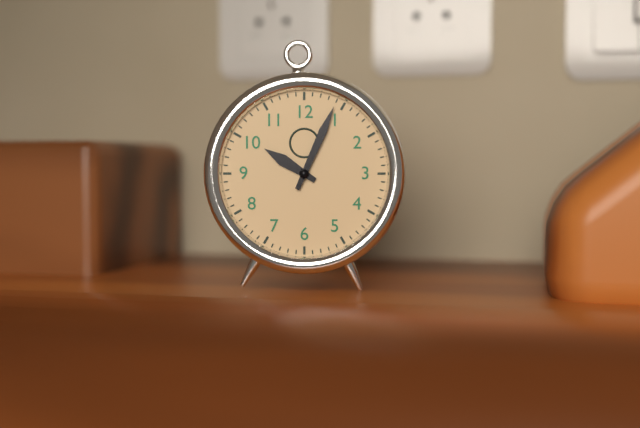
**10:04**
